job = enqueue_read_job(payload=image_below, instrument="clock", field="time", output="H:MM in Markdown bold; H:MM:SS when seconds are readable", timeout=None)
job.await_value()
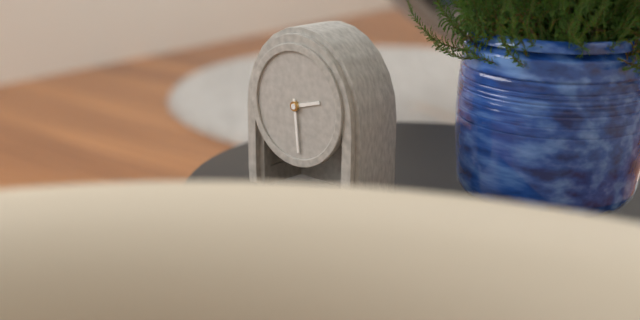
**2:29**
